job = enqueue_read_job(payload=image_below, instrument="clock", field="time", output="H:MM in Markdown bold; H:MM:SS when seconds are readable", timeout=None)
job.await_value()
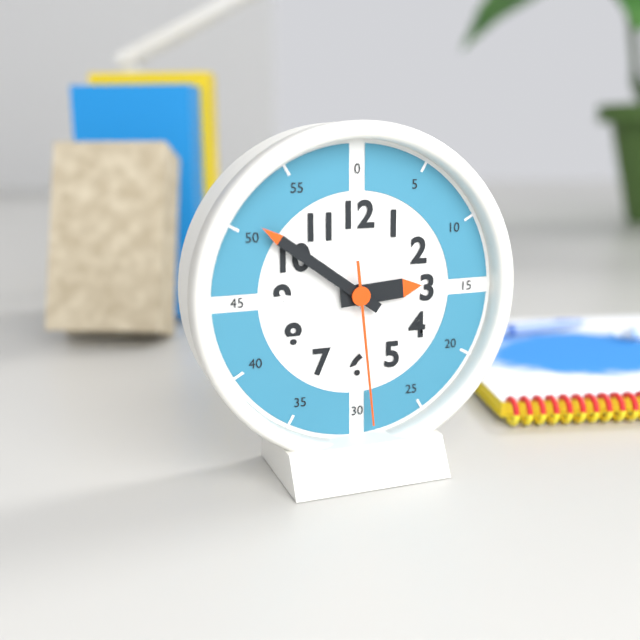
**2:51:29**
